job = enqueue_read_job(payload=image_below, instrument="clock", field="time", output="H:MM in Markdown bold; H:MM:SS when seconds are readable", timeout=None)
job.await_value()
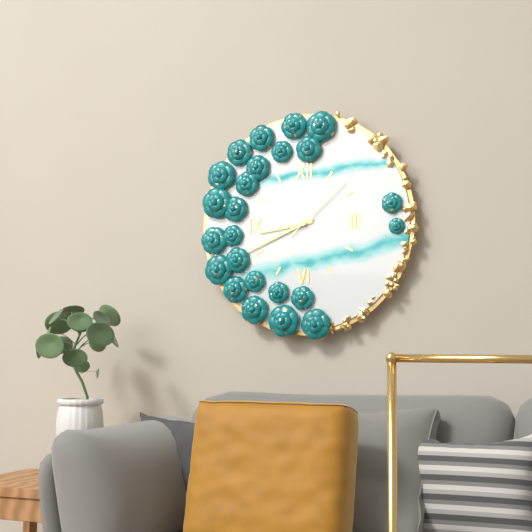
**8:41:08**
